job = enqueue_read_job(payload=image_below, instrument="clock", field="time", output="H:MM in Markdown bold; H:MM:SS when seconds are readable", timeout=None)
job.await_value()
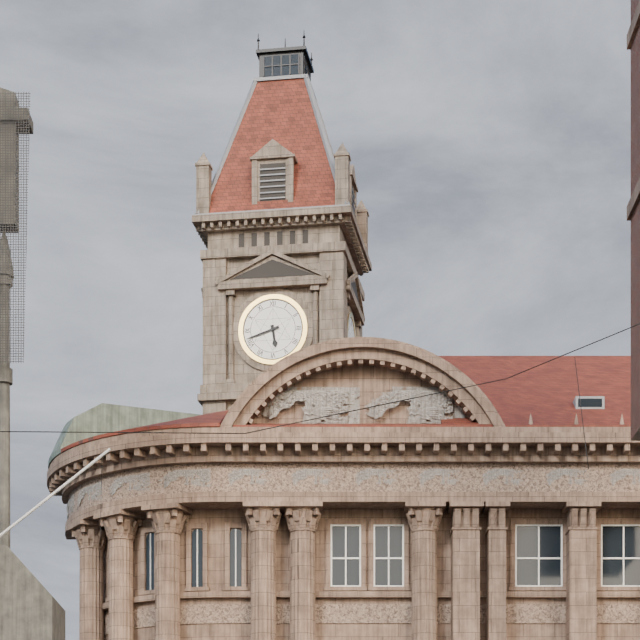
**5:42**
